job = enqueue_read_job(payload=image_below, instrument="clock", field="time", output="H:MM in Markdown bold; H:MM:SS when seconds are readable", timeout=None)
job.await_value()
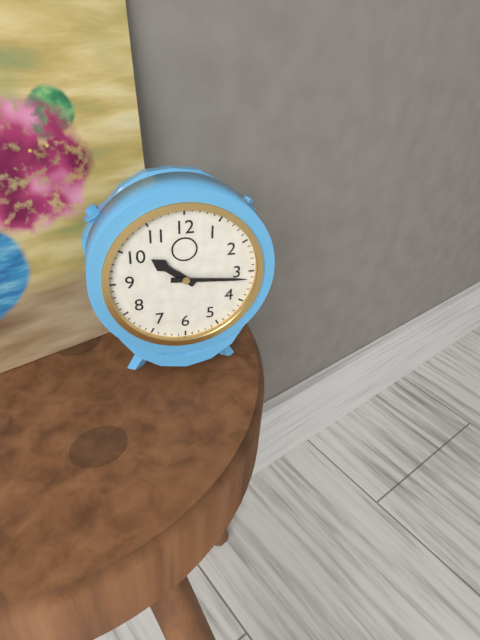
**10:16**
